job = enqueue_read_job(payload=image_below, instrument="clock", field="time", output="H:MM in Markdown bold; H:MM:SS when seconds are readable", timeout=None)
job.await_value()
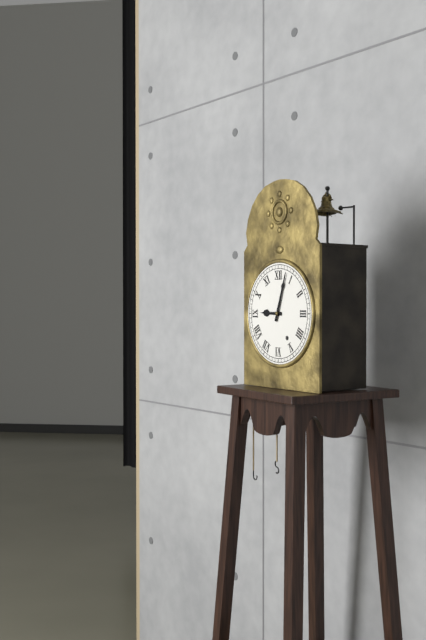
**9:03**
